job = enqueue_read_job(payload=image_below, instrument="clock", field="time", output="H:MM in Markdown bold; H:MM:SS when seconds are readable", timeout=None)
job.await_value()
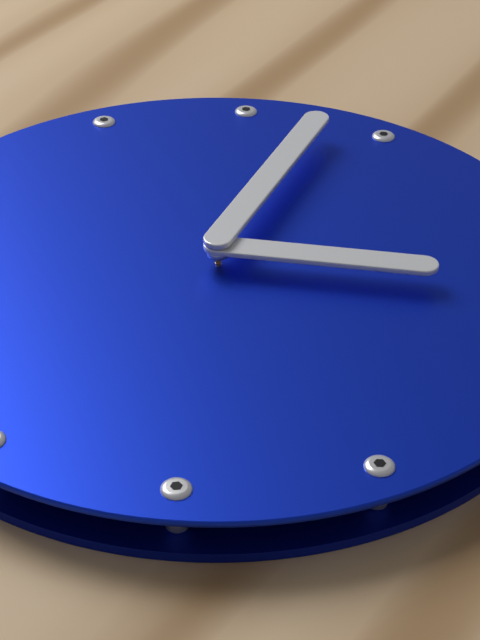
**4:08**
